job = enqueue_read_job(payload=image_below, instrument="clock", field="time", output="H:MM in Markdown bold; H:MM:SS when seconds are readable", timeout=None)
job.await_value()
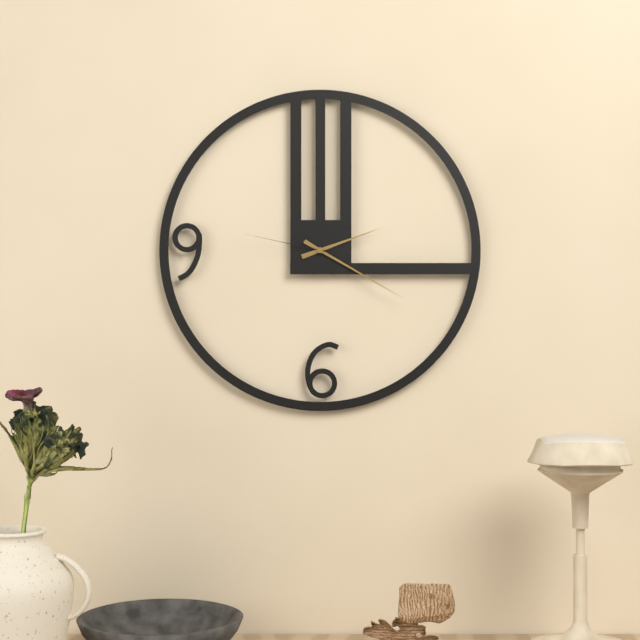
**2:20:47**
